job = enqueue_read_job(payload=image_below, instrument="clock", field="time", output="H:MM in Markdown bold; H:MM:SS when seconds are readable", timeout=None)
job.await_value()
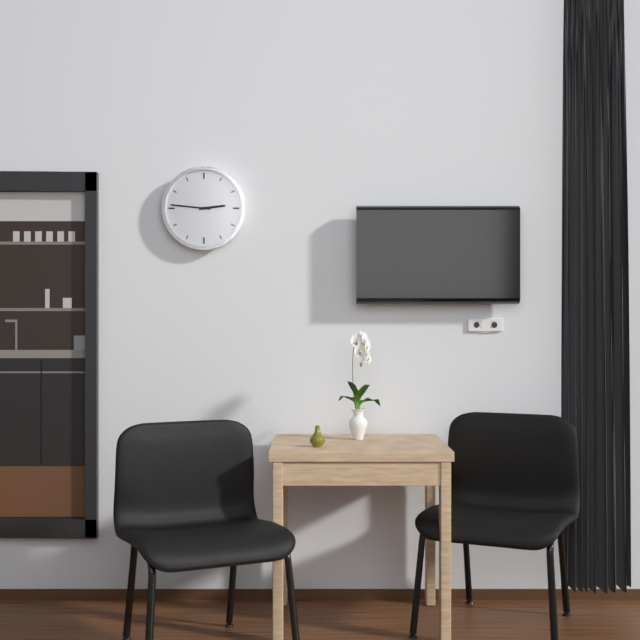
**2:46**
